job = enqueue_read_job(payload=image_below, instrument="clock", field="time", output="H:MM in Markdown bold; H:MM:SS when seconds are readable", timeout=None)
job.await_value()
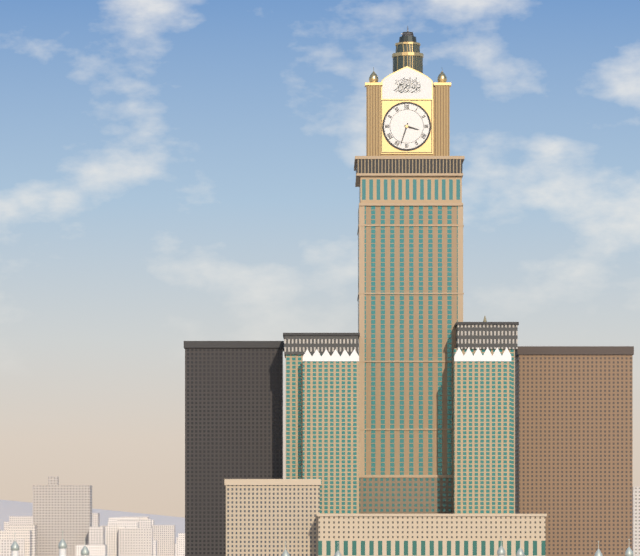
**3:33**
